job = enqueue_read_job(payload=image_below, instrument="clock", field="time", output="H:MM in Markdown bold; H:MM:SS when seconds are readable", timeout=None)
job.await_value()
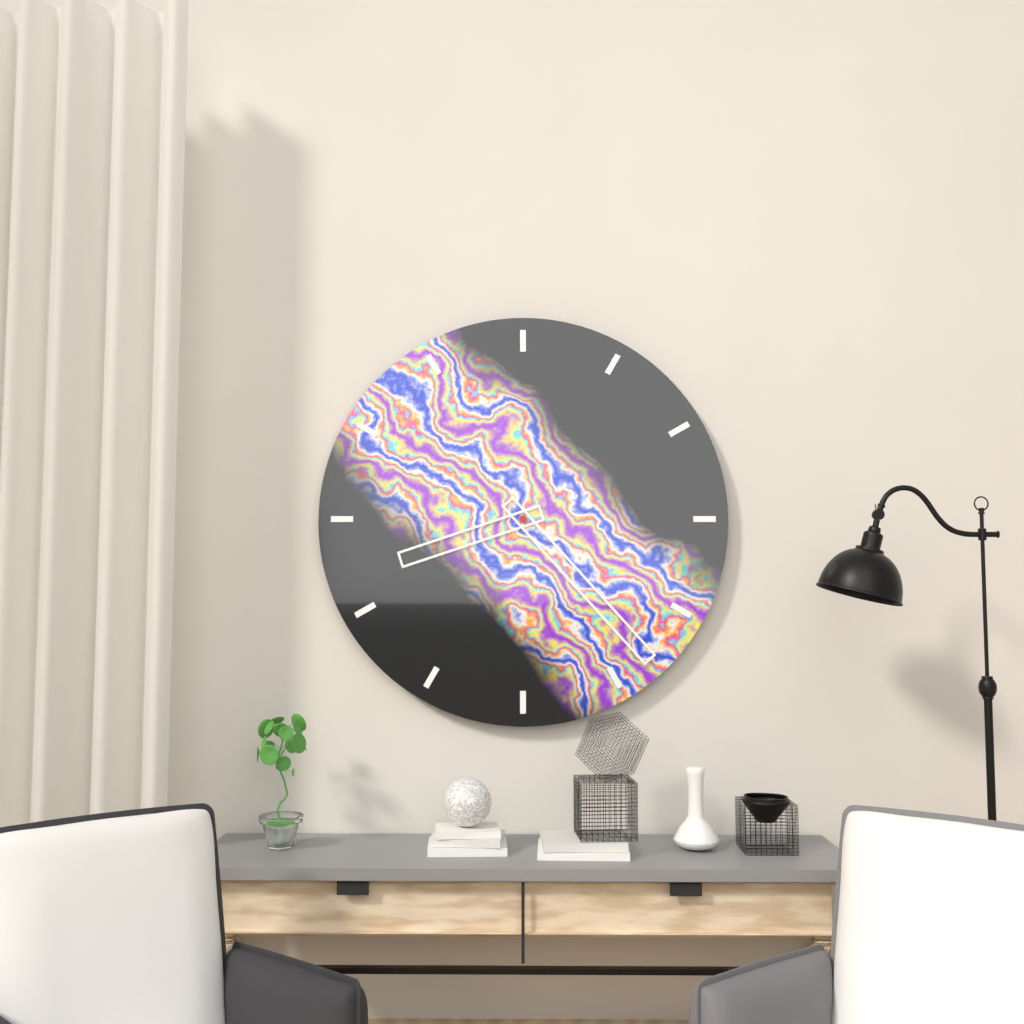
**8:23**
